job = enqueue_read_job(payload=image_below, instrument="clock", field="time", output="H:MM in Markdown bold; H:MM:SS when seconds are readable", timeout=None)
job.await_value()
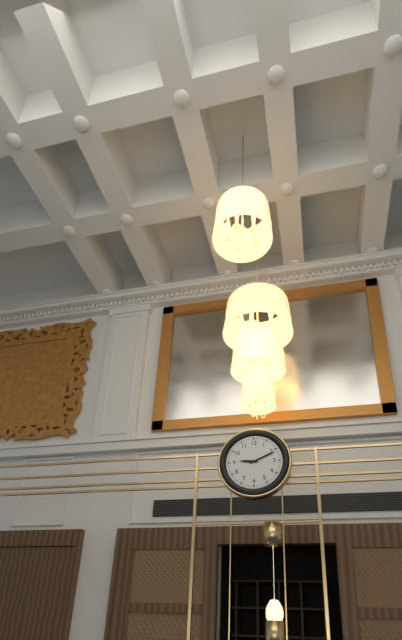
**9:11**
